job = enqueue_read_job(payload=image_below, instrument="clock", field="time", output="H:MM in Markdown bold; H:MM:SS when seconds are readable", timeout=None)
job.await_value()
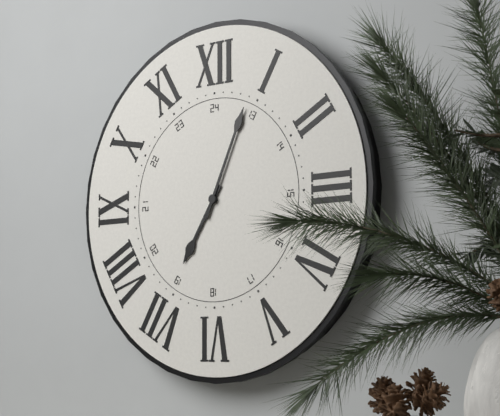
**7:04**
